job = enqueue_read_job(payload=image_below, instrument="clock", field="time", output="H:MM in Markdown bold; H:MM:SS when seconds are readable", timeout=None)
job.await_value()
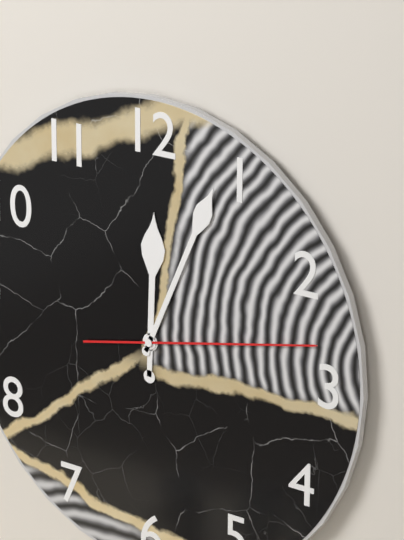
**12:04:13**
